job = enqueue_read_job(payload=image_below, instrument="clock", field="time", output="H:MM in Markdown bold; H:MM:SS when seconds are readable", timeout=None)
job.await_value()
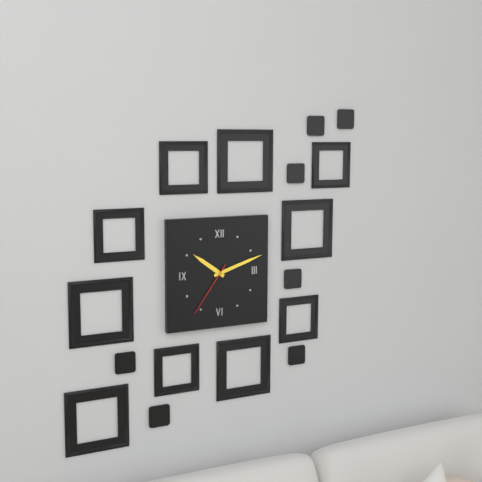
**10:12:36**
